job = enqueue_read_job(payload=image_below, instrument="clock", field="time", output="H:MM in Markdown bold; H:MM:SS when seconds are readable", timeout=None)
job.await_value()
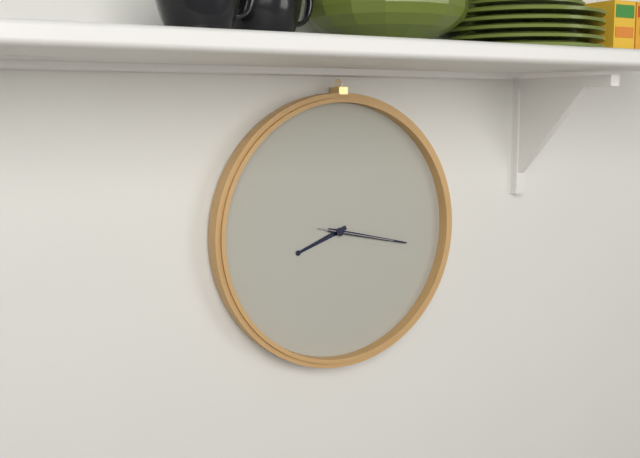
**8:17:17**
